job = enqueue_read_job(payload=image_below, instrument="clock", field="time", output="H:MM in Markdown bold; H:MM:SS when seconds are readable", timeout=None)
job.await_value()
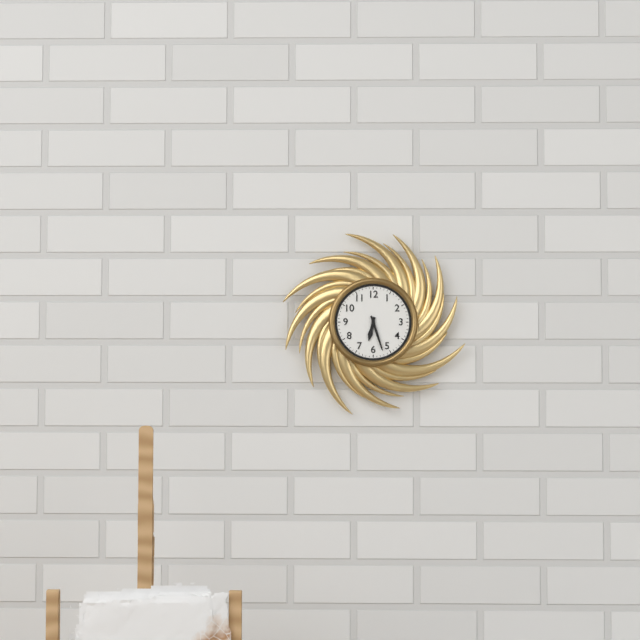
**6:27**
